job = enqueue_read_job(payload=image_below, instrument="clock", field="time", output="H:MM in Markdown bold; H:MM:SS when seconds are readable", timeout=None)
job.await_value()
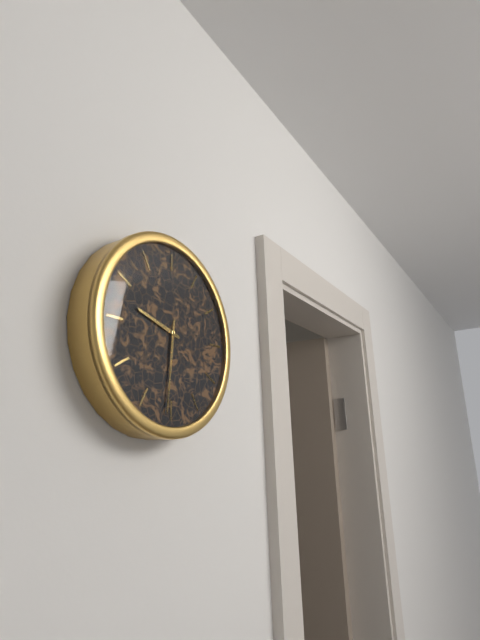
**9:31**
